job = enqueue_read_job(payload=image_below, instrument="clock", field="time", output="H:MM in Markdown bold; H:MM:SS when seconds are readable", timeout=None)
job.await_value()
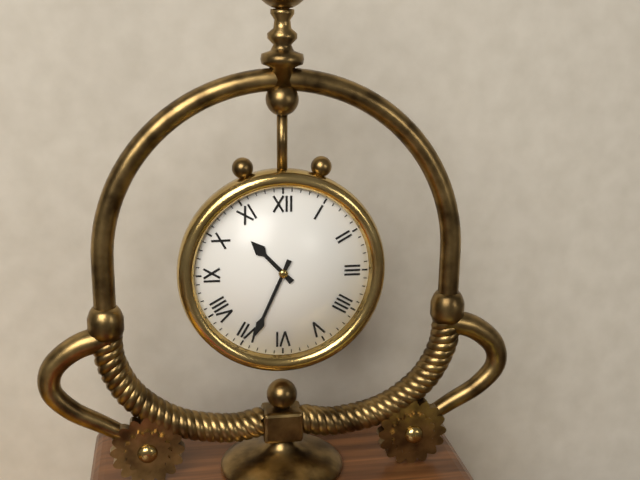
**10:34**
